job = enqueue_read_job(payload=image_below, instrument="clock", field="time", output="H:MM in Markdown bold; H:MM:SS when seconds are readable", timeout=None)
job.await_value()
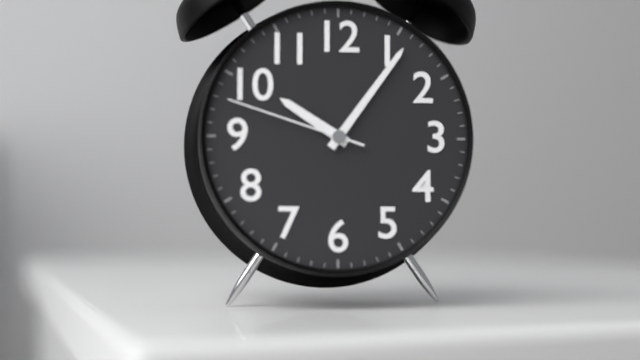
**10:06:48**
